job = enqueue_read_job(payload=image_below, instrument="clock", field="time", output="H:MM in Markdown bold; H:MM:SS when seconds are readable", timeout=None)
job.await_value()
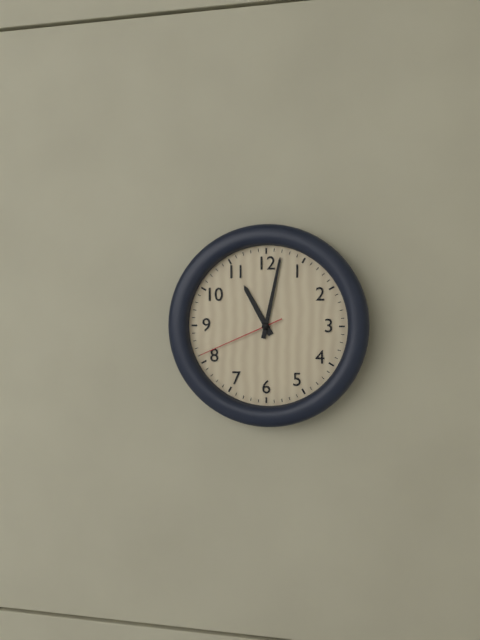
**11:02:41**
